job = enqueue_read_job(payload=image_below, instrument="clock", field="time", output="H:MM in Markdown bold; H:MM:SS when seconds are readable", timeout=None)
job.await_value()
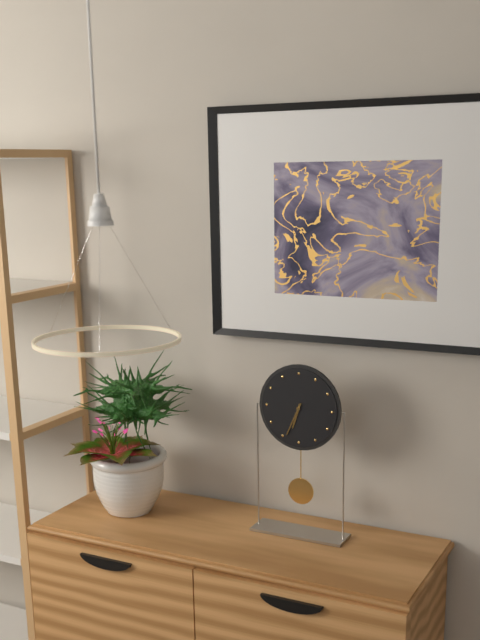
**6:34**
